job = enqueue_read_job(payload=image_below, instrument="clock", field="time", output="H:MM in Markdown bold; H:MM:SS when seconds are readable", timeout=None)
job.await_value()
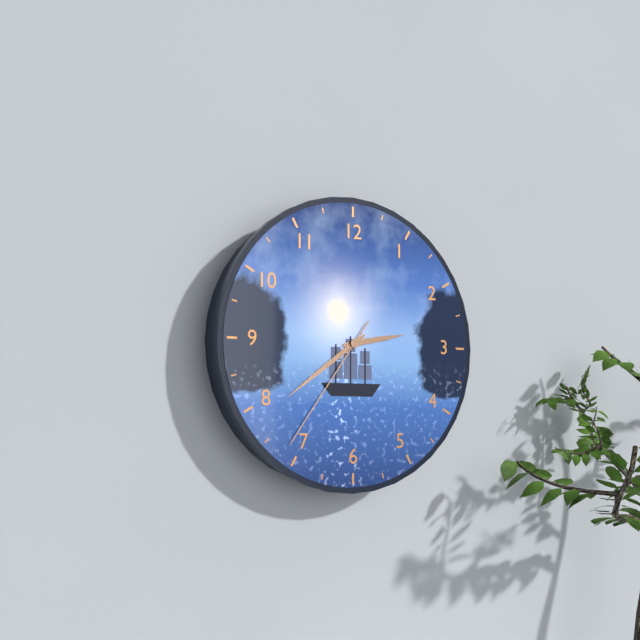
**2:39:36**
